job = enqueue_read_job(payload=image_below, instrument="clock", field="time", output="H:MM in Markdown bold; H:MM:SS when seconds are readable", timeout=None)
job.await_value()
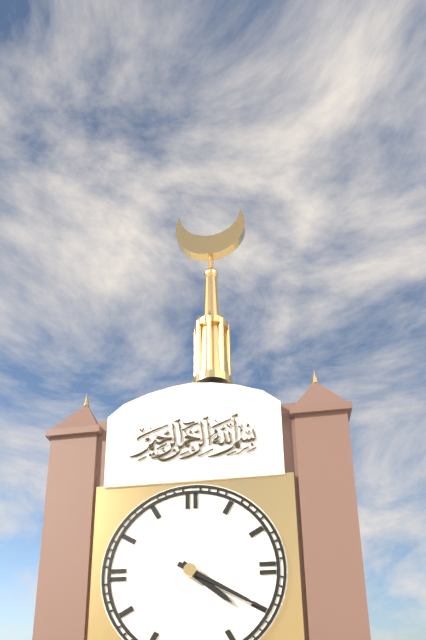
**4:20**
